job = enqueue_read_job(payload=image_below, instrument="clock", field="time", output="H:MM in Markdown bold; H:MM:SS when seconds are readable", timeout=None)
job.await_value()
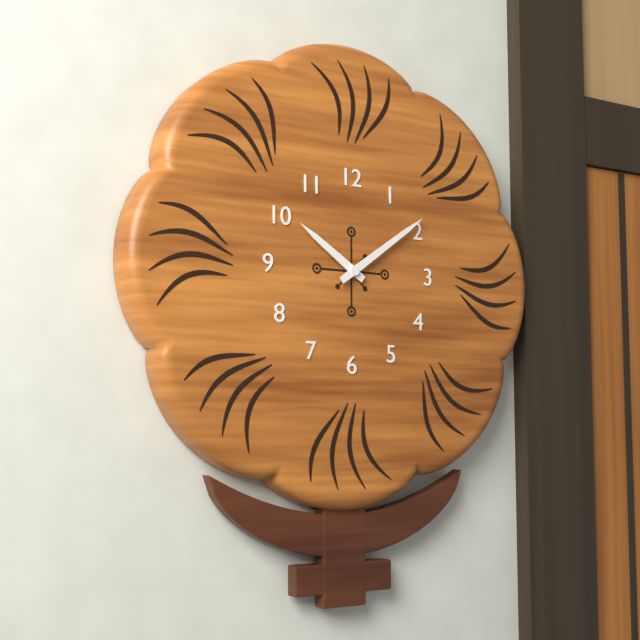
**10:09**
